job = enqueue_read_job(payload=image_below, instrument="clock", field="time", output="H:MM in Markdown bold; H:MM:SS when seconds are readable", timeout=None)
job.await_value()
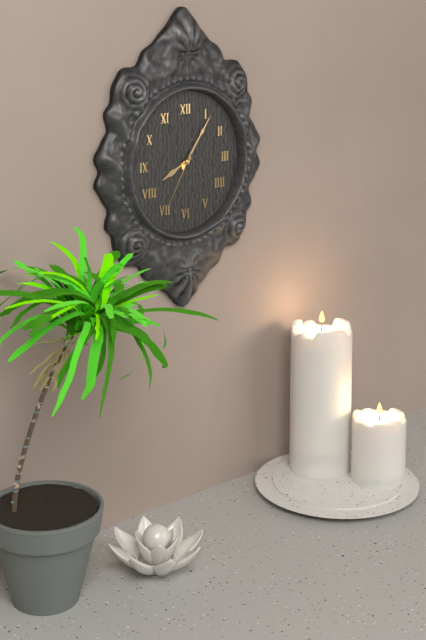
**8:06:35**
